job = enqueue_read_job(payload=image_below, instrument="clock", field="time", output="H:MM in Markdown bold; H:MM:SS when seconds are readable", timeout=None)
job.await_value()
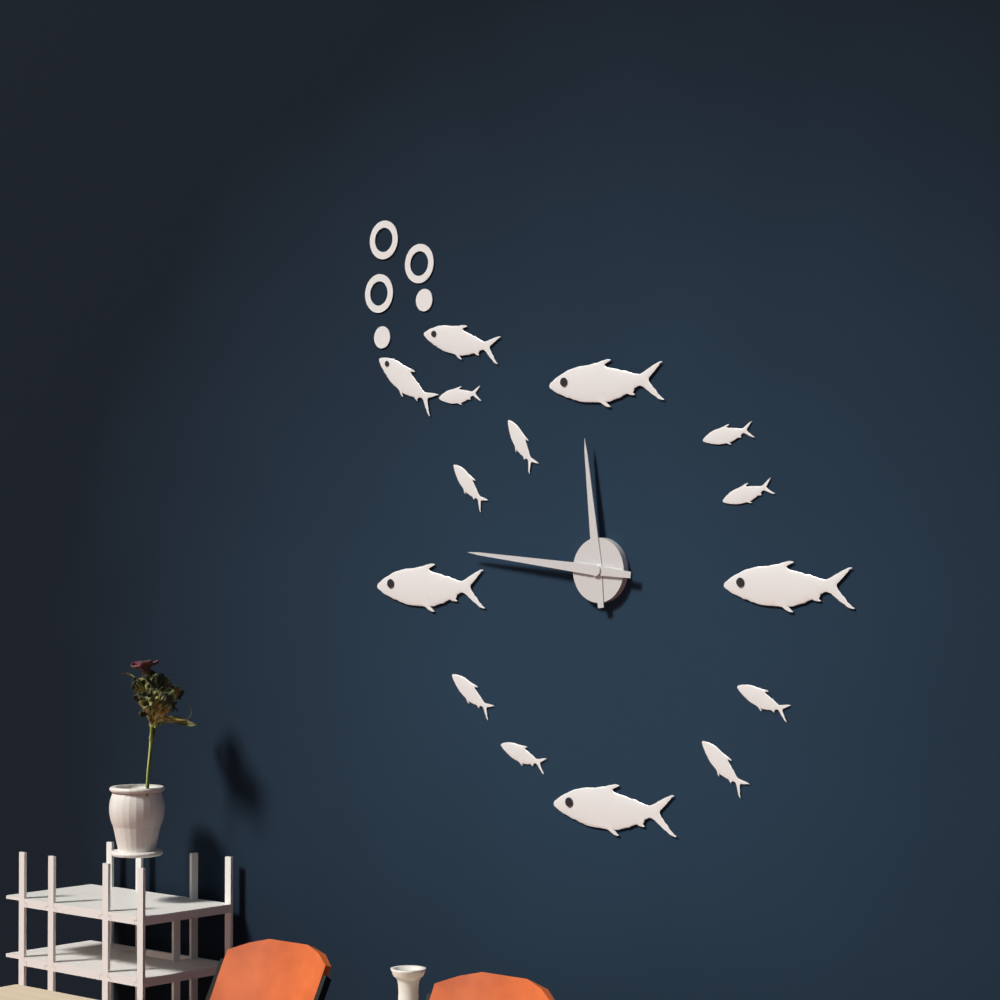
**11:46**
